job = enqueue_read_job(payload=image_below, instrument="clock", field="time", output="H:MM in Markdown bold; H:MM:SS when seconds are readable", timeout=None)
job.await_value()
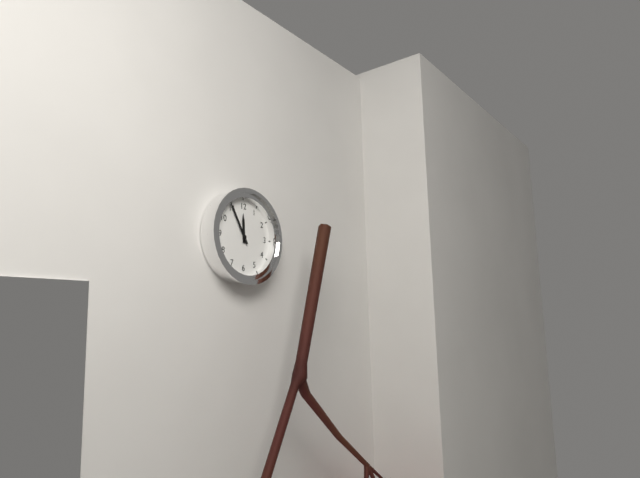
**11:55**
